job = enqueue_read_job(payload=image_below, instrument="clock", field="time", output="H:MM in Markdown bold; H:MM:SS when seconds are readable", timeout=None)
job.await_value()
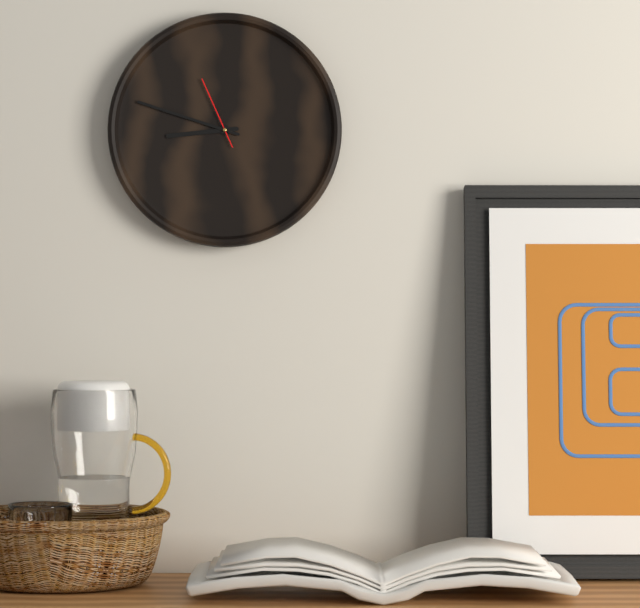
**8:48:56**
